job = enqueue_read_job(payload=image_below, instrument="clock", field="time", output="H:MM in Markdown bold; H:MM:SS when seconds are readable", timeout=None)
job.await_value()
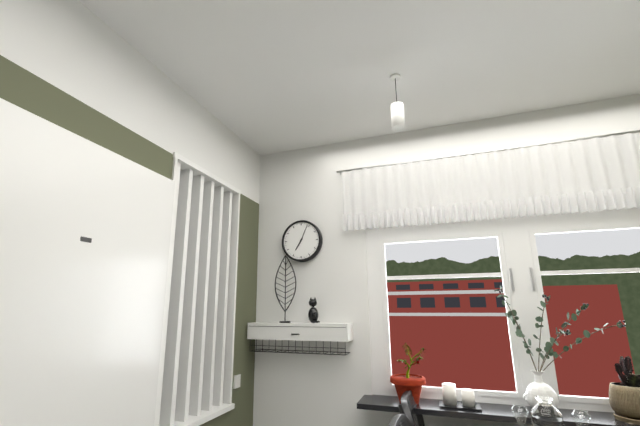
**7:04**
